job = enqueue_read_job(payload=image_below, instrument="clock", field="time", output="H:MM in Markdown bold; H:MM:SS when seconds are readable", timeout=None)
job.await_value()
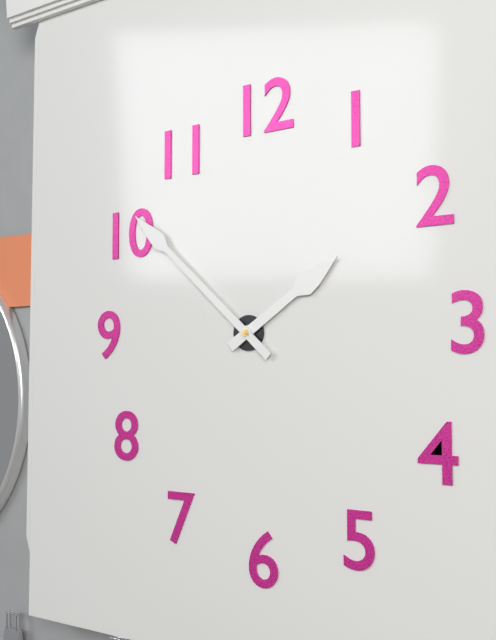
**1:52**
